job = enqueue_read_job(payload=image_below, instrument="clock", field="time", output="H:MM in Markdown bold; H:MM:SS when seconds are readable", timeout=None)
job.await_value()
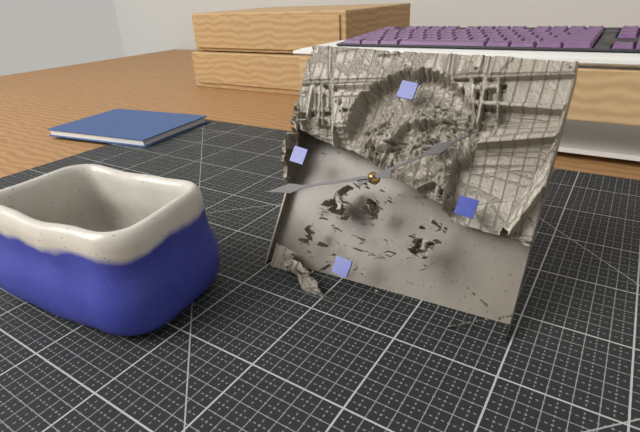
**1:41**
